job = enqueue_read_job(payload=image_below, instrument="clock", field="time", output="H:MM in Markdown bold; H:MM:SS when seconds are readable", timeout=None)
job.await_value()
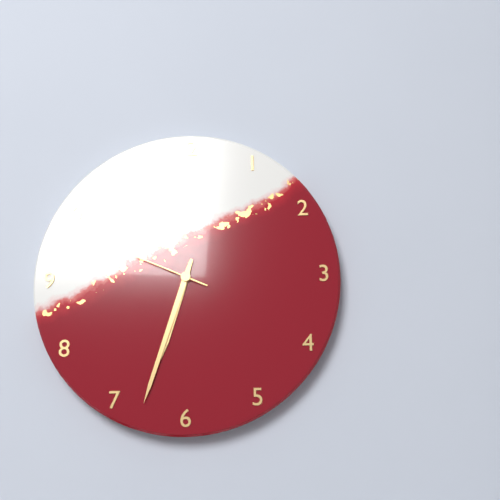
**6:33:49**
